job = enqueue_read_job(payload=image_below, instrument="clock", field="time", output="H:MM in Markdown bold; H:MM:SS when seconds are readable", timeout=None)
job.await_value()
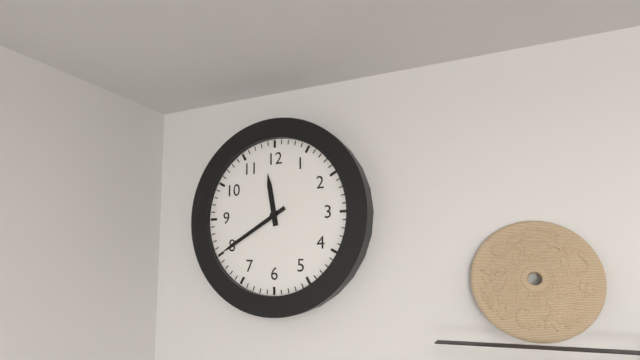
**11:40**
